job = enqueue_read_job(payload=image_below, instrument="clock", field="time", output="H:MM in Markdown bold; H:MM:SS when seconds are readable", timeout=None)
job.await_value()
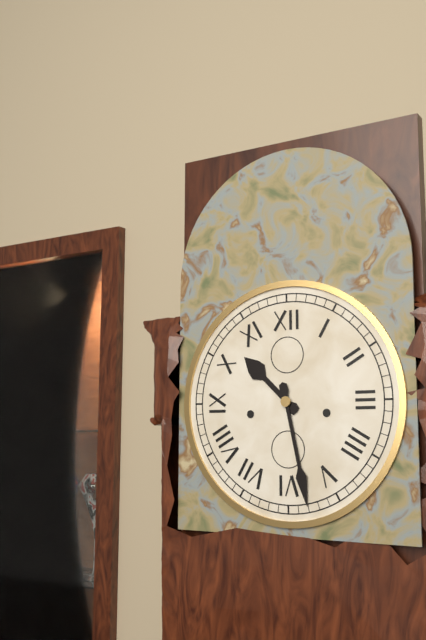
**10:28**
